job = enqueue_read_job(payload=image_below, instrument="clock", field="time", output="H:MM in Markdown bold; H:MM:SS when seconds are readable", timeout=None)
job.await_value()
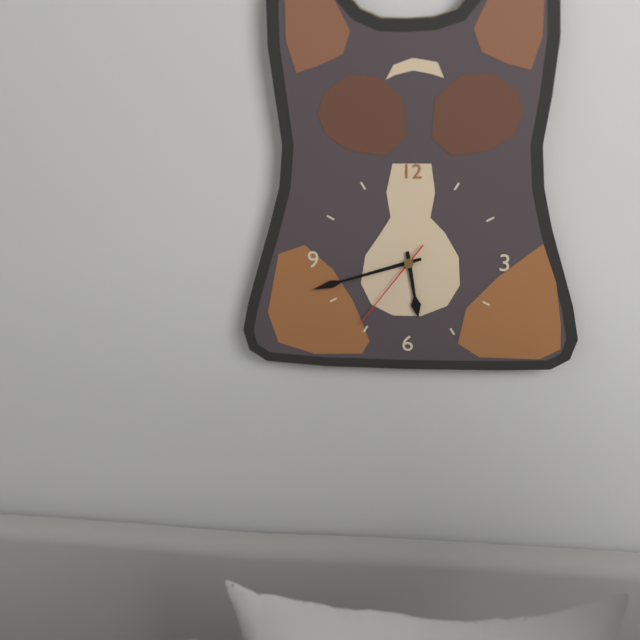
**5:42:36**
